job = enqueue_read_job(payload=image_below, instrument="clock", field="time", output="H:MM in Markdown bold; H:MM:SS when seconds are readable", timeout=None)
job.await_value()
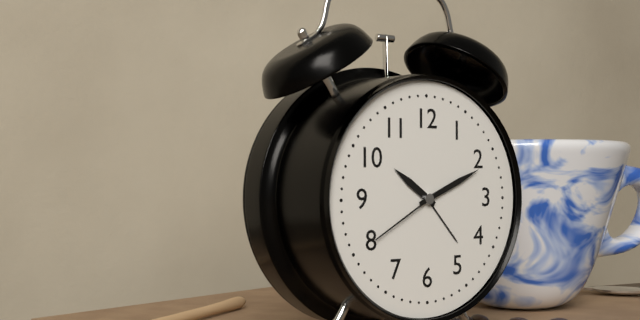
**10:11:40**
